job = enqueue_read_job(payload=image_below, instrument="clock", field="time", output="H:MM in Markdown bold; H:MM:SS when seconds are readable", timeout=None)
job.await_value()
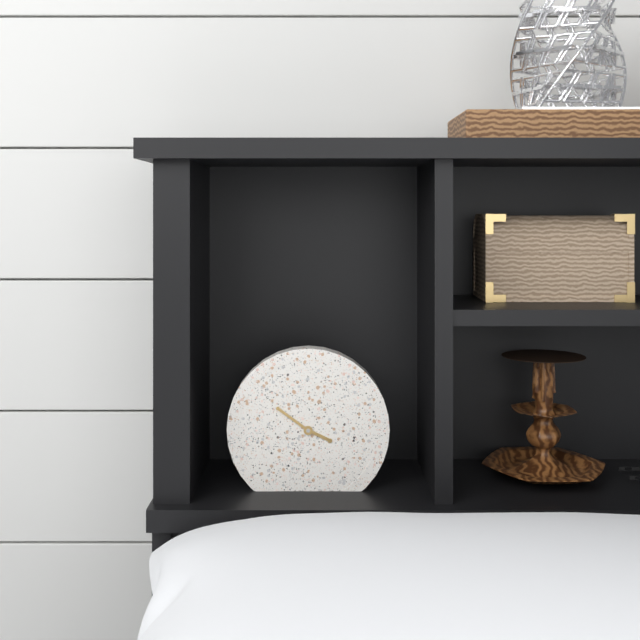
**3:51**
